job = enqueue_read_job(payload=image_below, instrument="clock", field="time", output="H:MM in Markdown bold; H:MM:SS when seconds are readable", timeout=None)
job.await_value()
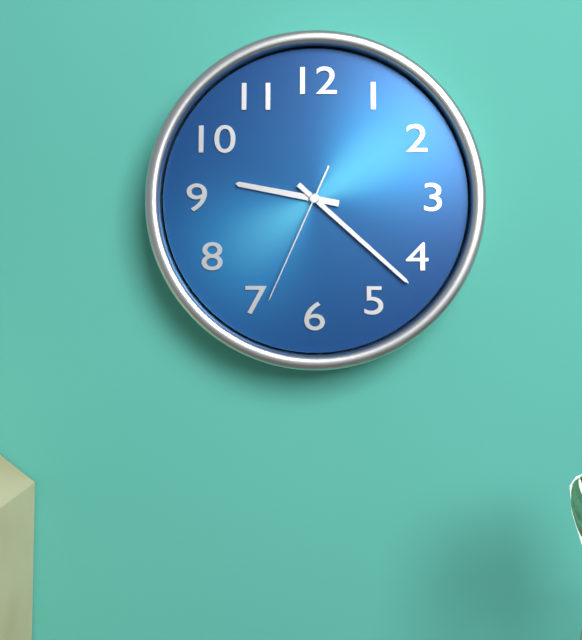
**9:22:34**
